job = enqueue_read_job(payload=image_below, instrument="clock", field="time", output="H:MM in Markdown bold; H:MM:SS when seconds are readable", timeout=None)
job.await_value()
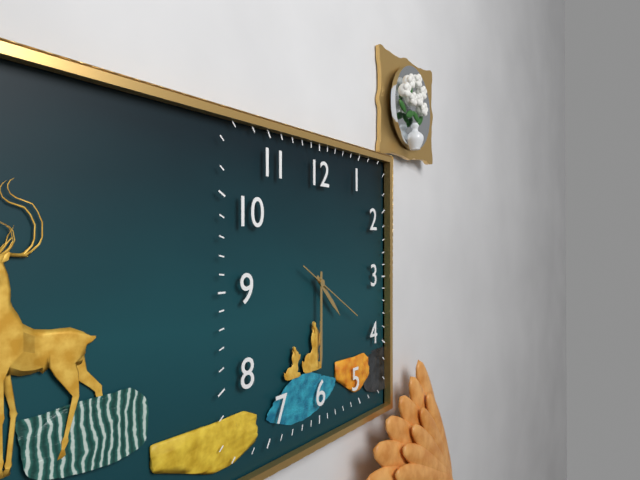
**4:30:20**
